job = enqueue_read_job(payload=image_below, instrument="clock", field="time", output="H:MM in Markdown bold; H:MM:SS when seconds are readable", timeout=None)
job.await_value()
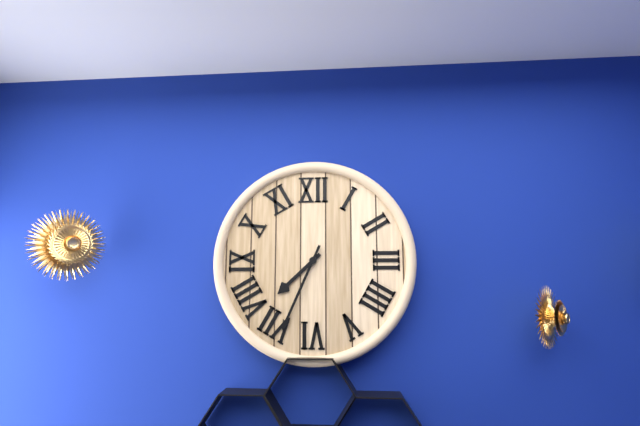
**7:34**
